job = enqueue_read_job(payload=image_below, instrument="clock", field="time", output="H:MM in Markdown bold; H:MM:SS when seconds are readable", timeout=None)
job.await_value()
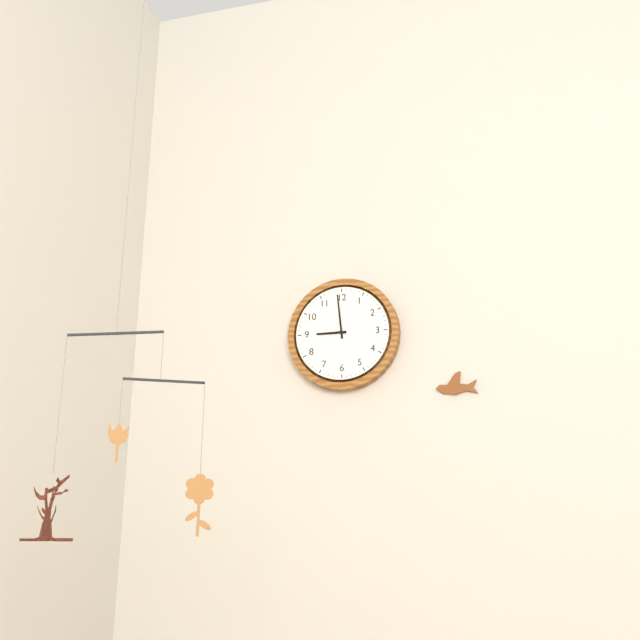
**8:59**
